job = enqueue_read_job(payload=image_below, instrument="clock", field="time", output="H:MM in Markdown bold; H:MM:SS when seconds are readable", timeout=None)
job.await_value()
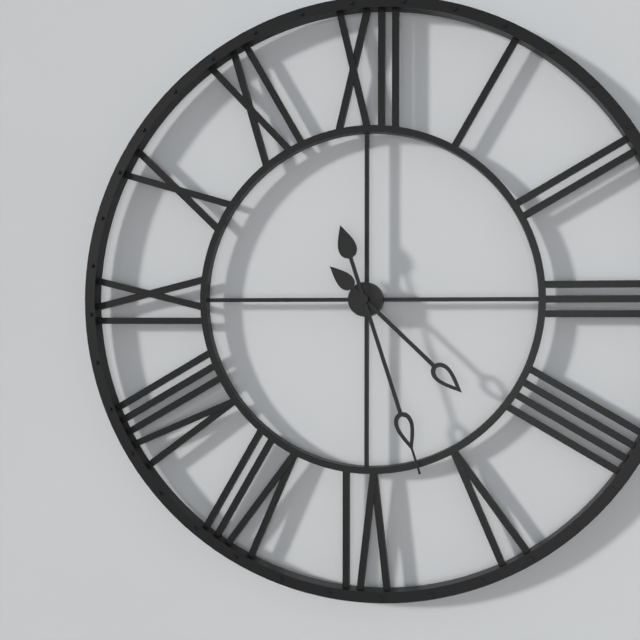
**4:27**
